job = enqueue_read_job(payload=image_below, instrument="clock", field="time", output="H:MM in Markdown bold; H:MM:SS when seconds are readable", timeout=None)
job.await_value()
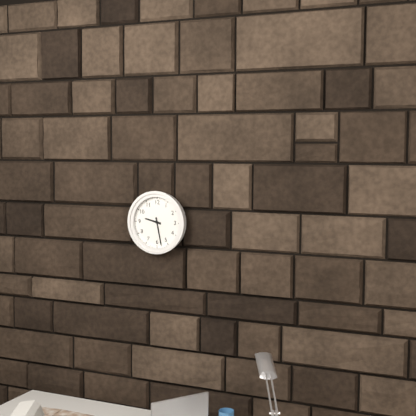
**9:28**
